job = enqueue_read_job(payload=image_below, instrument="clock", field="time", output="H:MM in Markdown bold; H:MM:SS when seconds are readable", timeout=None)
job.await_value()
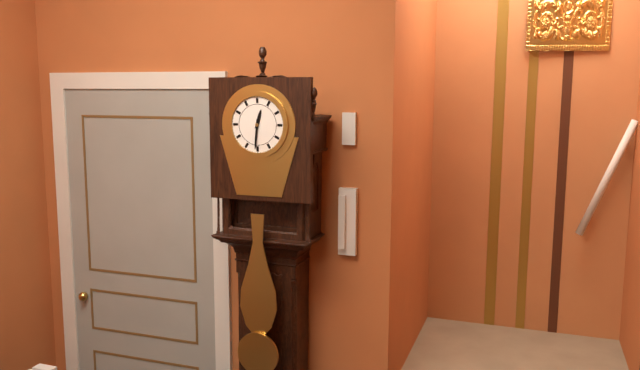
**12:31**
